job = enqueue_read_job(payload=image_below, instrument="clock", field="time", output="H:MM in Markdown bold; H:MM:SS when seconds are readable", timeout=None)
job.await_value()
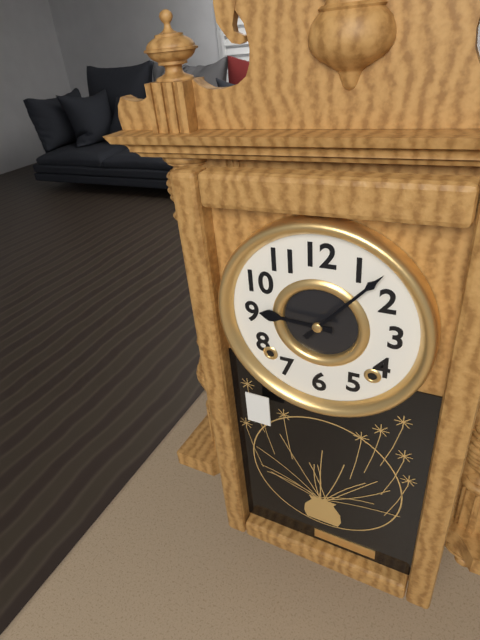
**9:07**
